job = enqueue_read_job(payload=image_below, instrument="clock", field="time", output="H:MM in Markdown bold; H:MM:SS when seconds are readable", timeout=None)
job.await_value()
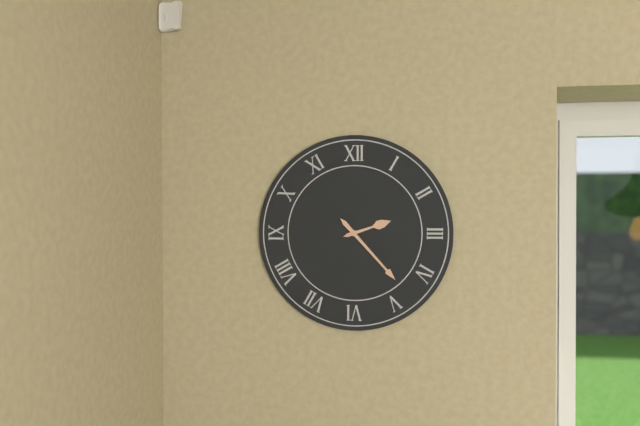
**2:23**
